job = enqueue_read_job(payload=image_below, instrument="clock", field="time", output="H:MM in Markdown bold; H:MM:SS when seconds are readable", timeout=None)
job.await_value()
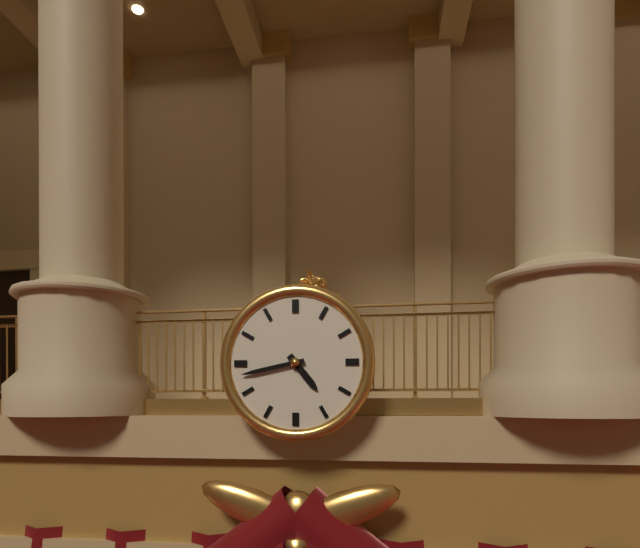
**4:43**
